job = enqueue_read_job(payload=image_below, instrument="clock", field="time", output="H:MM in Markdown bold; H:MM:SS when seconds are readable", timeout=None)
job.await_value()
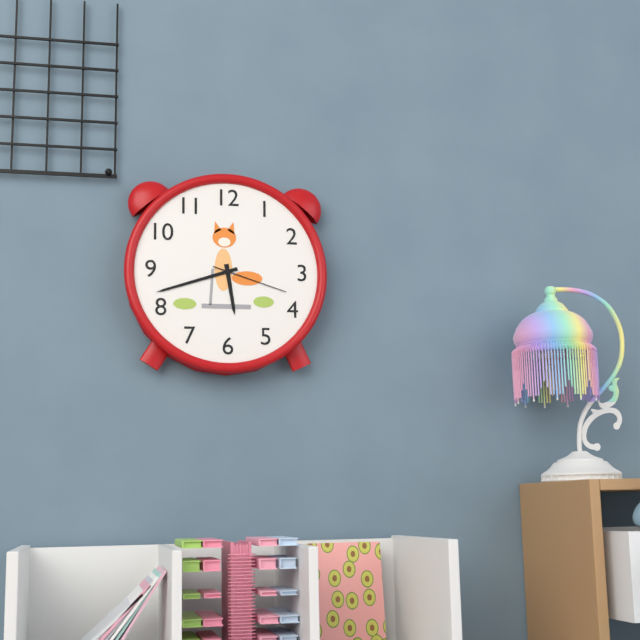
**5:42:18**
